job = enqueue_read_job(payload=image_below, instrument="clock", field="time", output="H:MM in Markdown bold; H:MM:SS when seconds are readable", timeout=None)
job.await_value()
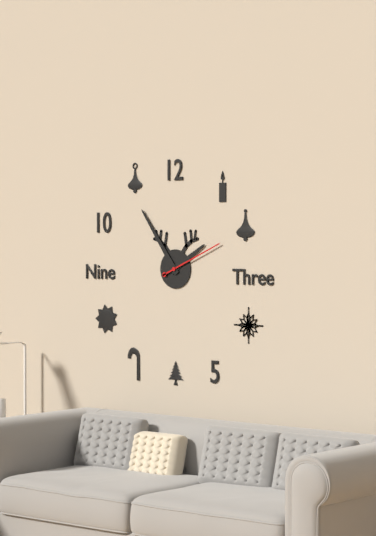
**1:54:11**
